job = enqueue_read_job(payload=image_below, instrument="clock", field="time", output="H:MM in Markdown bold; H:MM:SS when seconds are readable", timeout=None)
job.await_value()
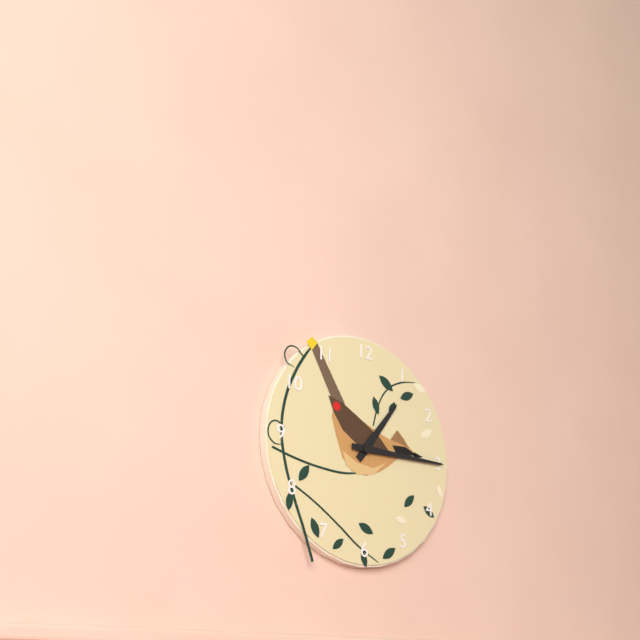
**1:15**
